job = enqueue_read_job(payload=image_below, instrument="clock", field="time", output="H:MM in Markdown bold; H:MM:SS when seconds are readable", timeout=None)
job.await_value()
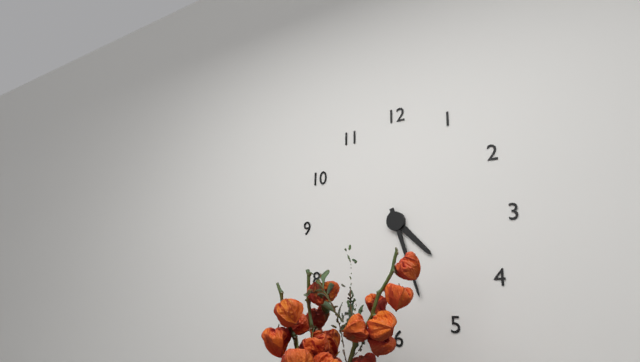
**4:27**
